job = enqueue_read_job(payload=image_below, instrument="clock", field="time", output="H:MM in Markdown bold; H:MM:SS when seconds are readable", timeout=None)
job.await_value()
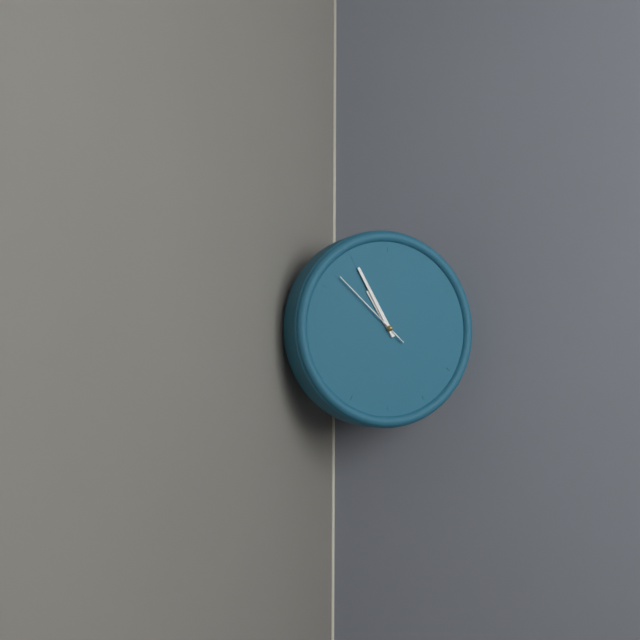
**10:55:52**
